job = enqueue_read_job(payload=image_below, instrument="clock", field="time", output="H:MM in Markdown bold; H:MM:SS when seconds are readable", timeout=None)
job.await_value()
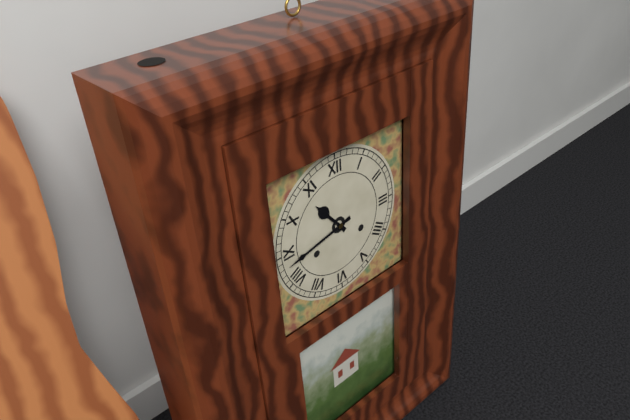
**10:43**
